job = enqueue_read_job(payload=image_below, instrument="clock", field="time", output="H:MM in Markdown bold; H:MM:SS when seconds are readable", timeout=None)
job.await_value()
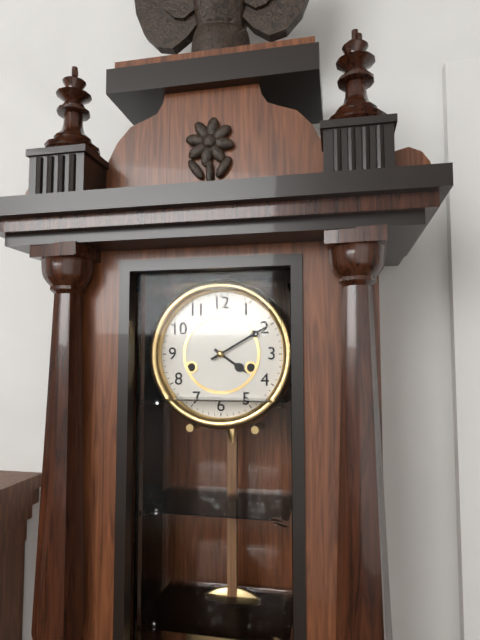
**4:10**
